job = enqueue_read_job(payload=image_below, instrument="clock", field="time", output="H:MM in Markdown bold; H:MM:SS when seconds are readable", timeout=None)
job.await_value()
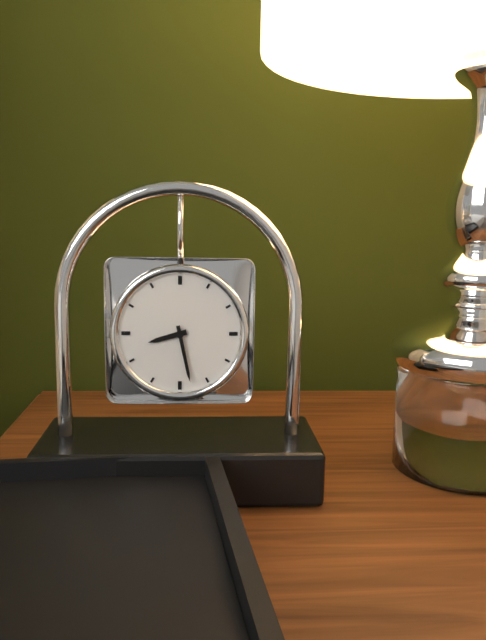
**8:28**
